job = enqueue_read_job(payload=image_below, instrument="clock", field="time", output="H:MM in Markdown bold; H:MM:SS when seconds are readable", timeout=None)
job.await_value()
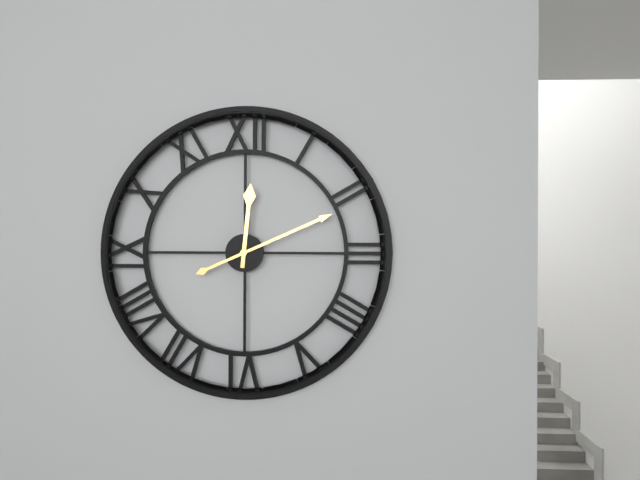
**12:11**
